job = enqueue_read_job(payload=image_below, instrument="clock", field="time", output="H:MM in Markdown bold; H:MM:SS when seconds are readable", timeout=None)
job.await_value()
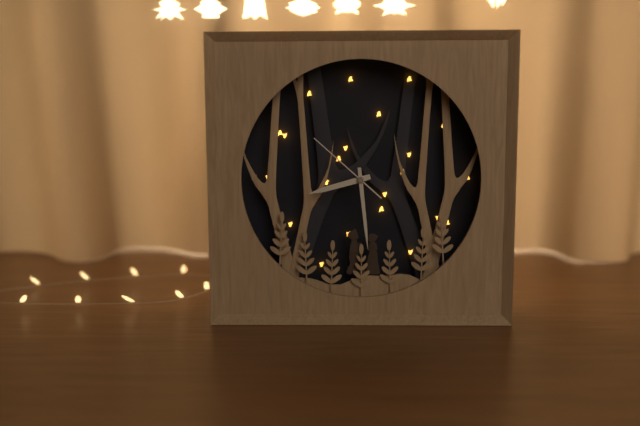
**8:29:52**
